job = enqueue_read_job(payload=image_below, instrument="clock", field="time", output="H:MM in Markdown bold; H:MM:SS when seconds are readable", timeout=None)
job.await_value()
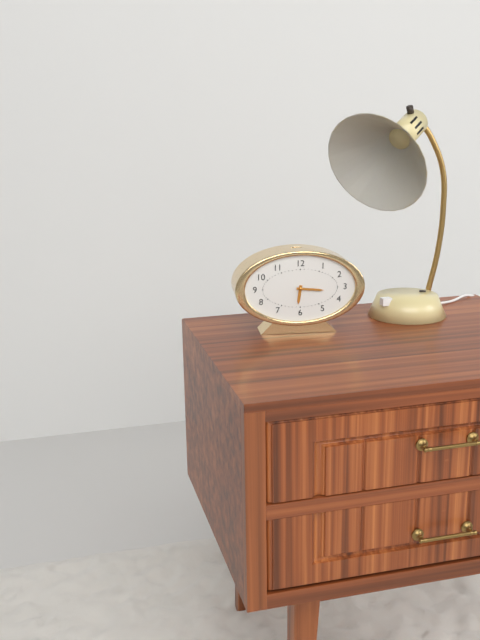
**6:16**
